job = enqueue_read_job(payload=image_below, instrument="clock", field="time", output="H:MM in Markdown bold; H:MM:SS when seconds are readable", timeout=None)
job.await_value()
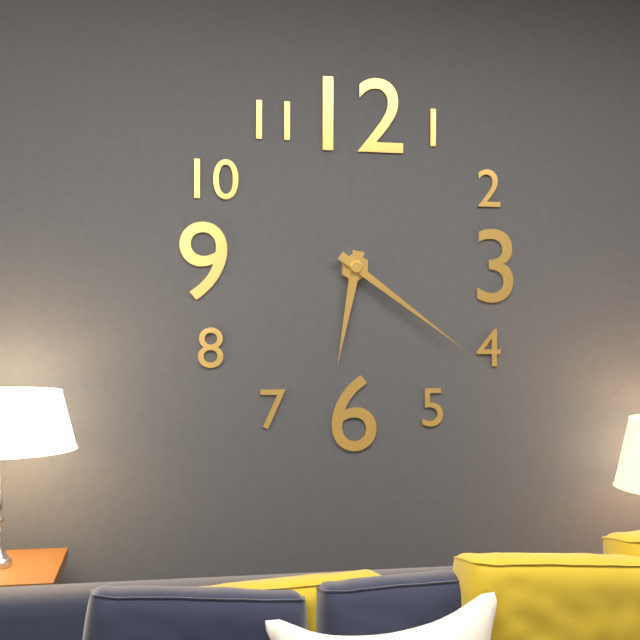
**6:21**
